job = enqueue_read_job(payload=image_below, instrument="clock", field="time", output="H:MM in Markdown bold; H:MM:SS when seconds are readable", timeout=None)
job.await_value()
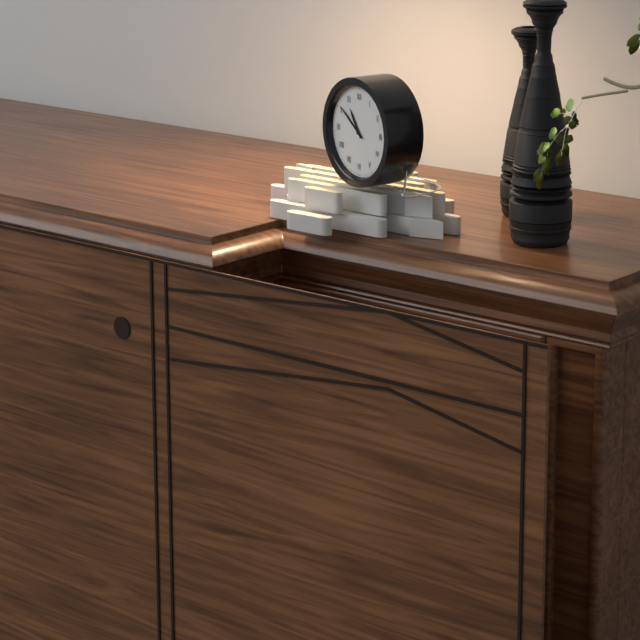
**10:51**
